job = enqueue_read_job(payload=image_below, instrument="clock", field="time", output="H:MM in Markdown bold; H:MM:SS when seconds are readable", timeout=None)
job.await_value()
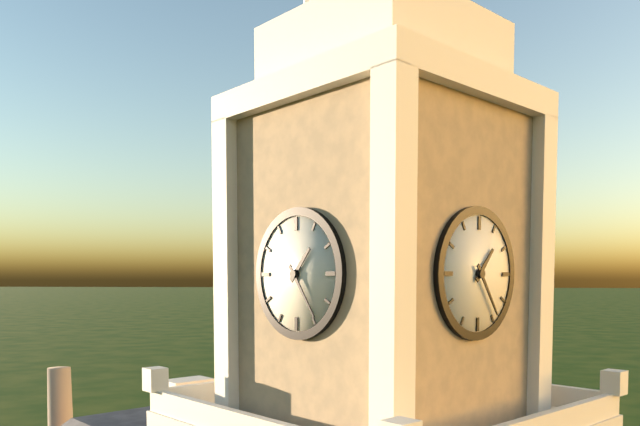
**1:24**
